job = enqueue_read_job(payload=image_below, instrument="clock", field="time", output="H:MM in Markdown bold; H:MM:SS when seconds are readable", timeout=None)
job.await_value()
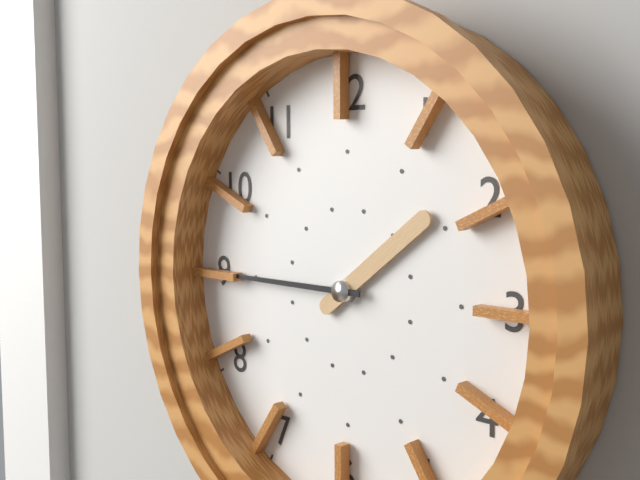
**1:45**
